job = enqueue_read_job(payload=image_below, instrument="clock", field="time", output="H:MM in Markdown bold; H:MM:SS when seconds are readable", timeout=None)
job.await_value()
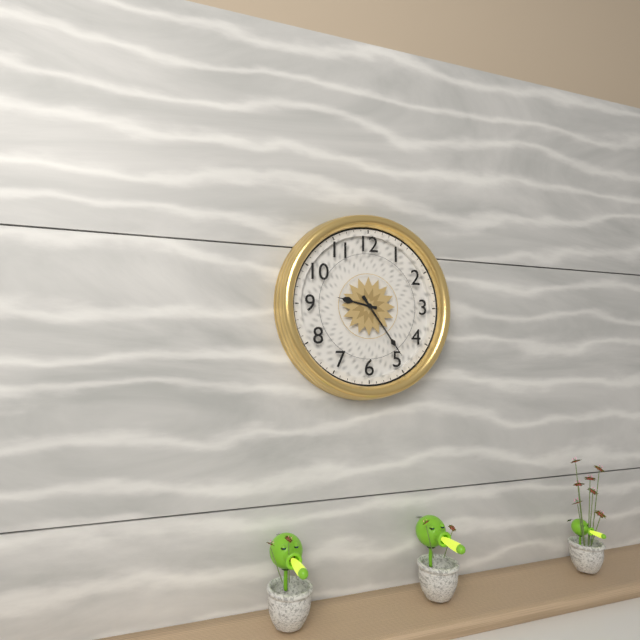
**9:24**
